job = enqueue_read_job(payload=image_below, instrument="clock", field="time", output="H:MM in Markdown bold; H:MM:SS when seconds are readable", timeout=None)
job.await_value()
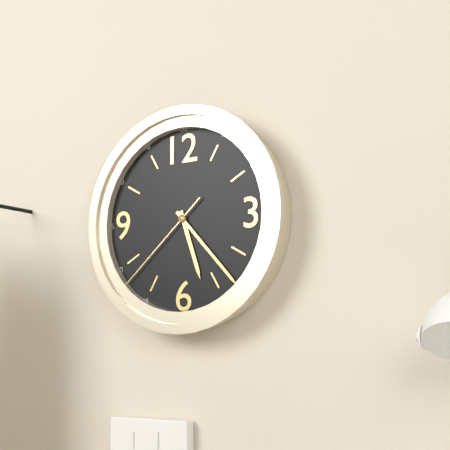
**5:23:38**
